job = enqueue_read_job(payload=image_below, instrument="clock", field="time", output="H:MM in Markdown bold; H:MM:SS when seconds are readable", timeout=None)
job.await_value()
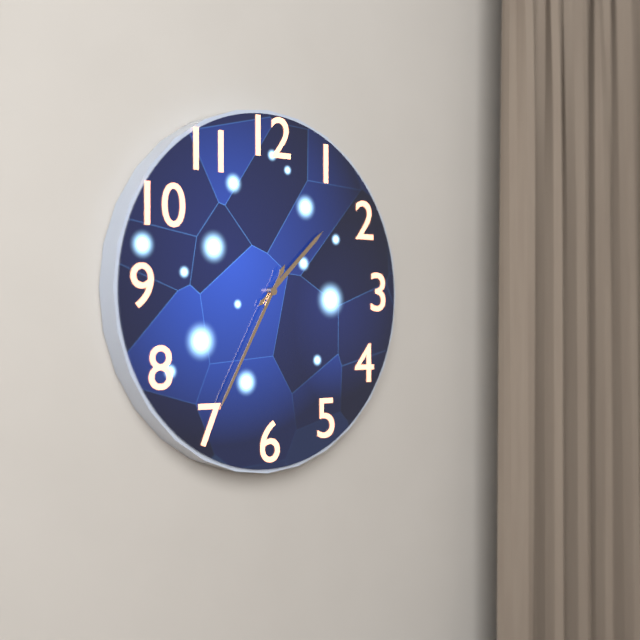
**1:35**
